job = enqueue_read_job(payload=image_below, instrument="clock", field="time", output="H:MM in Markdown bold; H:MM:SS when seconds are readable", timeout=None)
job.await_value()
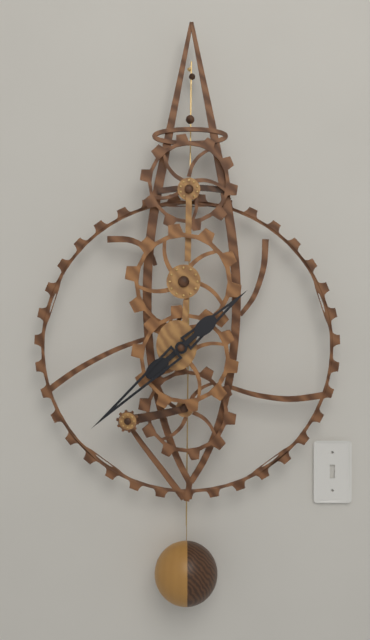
**1:38**
